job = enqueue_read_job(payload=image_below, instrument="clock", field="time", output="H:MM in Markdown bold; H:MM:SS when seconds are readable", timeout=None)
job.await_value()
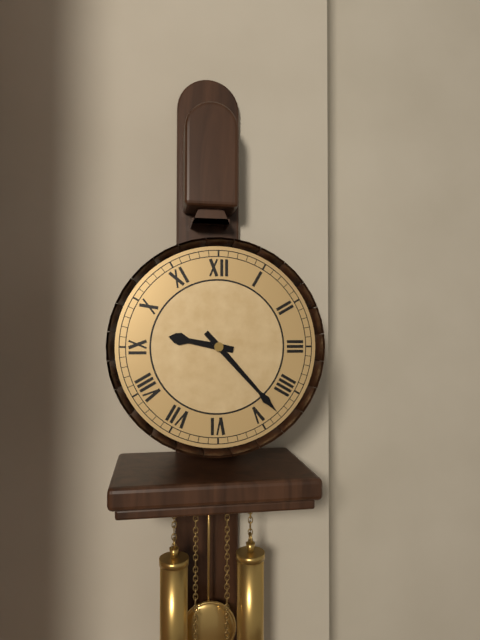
**9:23**
